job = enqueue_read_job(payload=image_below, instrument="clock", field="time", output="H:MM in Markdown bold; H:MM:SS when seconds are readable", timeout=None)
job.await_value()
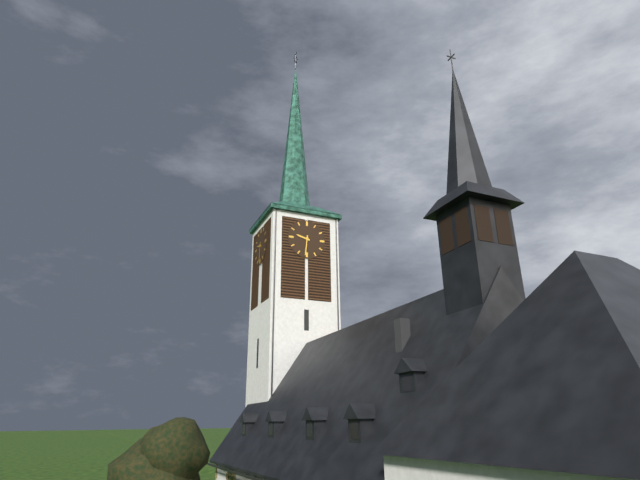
**9:31**
